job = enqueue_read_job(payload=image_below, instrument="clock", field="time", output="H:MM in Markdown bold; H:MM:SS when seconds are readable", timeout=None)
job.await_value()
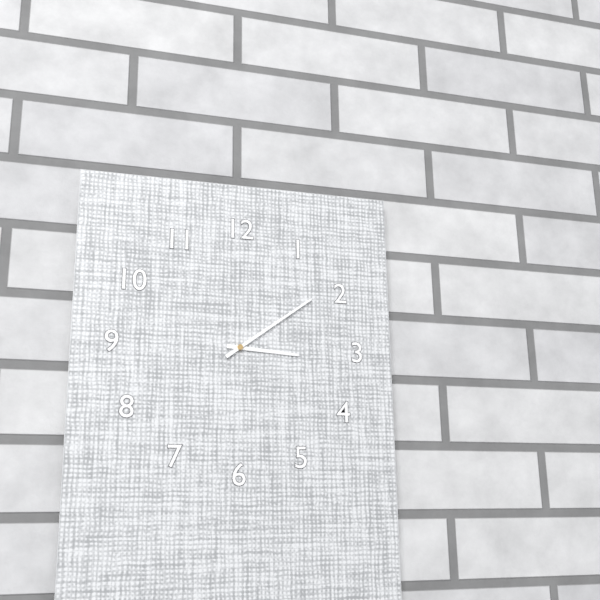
**3:09**
